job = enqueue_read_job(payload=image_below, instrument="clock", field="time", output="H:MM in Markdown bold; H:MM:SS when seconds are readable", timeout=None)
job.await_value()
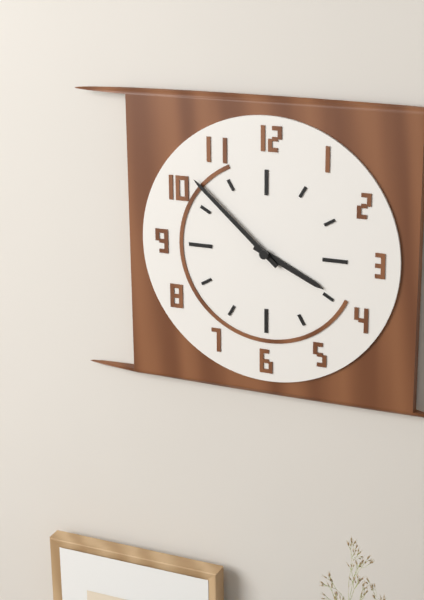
**3:52**
